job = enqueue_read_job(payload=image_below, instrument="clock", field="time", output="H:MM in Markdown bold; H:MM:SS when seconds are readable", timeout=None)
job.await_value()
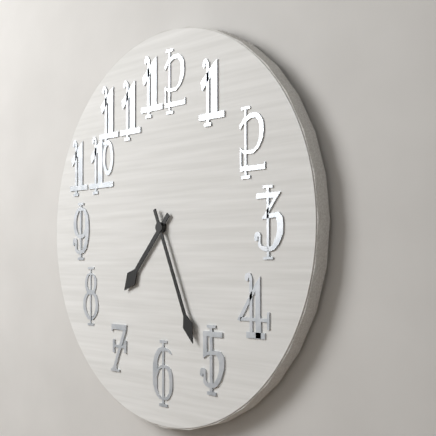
**7:26**
